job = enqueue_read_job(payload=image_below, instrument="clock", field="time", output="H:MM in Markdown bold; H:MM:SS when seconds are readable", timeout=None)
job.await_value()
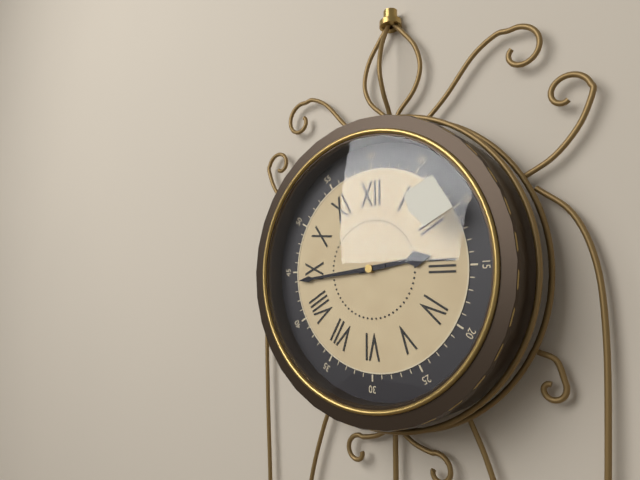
**2:44**
